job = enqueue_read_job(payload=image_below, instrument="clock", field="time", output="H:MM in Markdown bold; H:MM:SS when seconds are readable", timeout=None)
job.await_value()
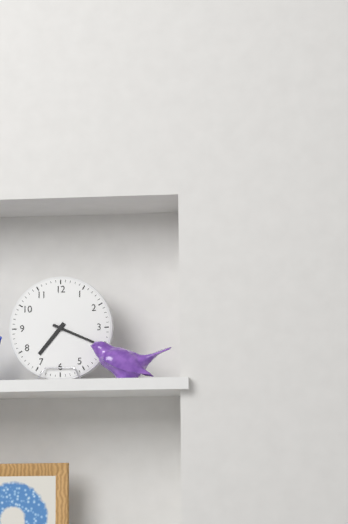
**7:19**
